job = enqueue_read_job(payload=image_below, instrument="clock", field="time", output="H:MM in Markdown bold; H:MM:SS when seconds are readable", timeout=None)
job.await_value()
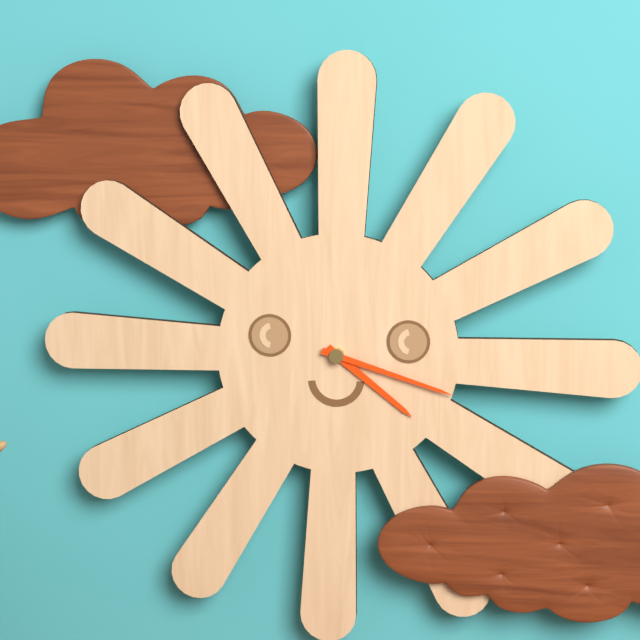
**4:18**
